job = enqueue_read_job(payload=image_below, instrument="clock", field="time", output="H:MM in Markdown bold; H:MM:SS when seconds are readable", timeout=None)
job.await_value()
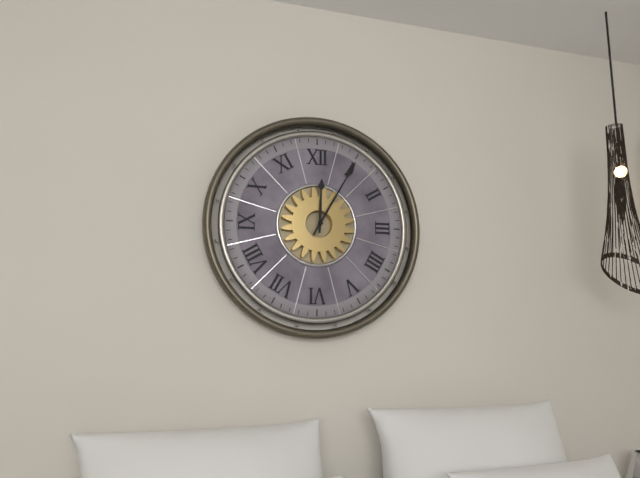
**12:05**
